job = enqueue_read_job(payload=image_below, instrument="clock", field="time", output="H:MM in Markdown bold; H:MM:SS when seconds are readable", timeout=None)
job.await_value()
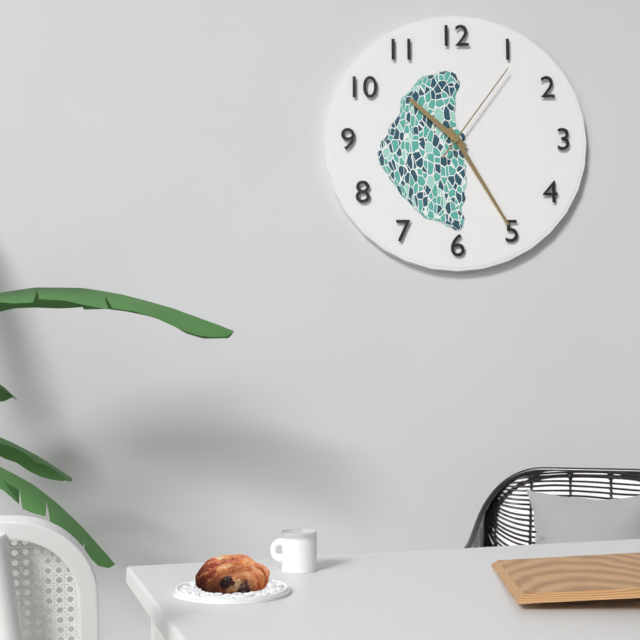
**10:25:06**
